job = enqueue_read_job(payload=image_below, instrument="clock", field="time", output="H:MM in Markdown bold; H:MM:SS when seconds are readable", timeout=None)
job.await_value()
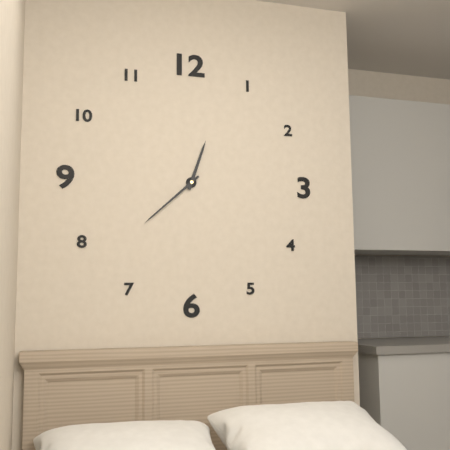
**12:38**
